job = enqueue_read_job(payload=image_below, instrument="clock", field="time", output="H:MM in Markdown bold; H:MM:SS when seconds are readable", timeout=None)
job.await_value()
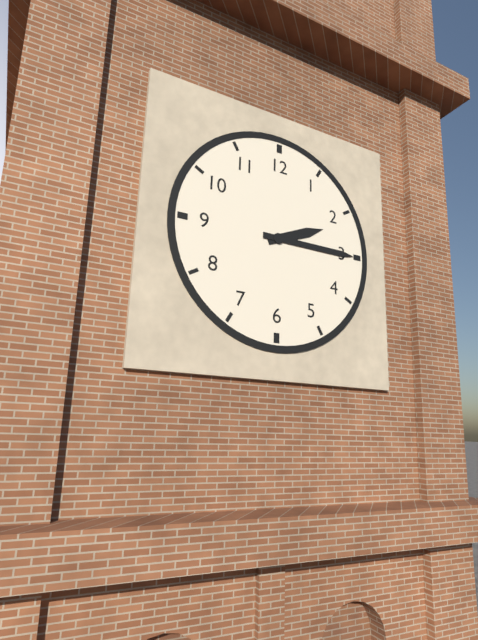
**2:15**
